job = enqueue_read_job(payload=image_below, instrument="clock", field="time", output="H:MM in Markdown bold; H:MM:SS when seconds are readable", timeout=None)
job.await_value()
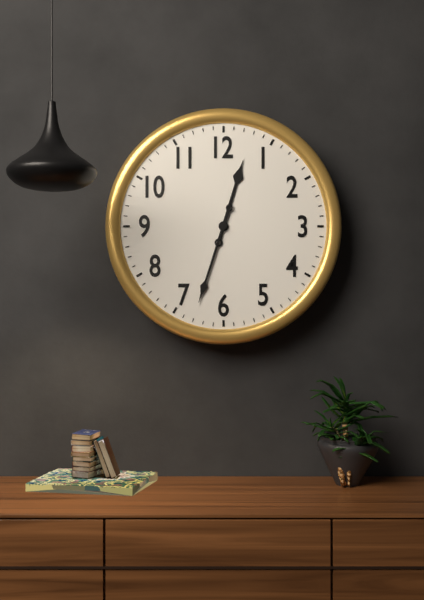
**12:33**
